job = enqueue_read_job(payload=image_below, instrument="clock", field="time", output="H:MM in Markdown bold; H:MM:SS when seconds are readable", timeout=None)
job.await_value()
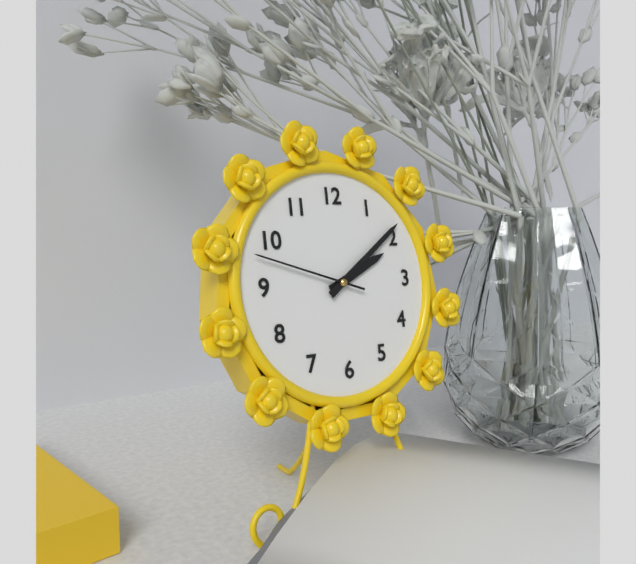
**2:09:48**
